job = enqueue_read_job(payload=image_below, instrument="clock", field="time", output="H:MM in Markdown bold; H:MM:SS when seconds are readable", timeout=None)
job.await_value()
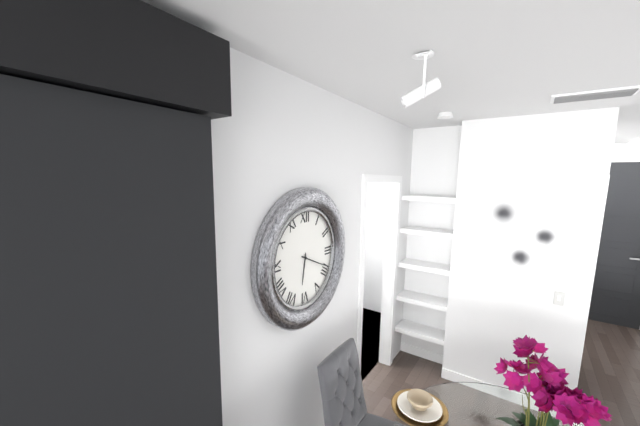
**6:19**
